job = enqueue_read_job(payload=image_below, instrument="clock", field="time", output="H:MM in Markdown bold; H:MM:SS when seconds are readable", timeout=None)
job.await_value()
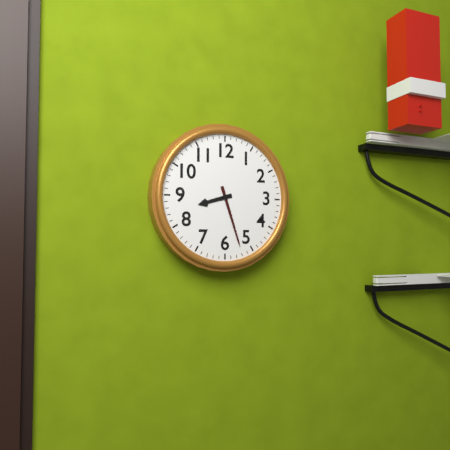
**8:27**
